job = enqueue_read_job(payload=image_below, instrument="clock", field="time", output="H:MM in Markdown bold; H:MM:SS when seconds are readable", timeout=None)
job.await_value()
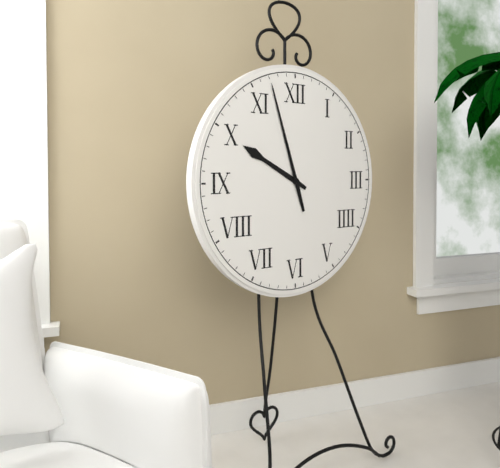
**9:57**
